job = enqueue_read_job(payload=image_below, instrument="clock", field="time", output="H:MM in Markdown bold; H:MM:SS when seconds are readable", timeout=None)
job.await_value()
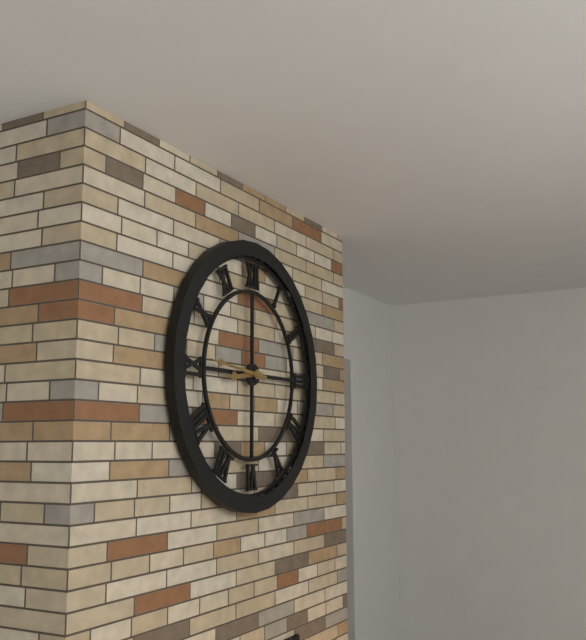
**8:46**
